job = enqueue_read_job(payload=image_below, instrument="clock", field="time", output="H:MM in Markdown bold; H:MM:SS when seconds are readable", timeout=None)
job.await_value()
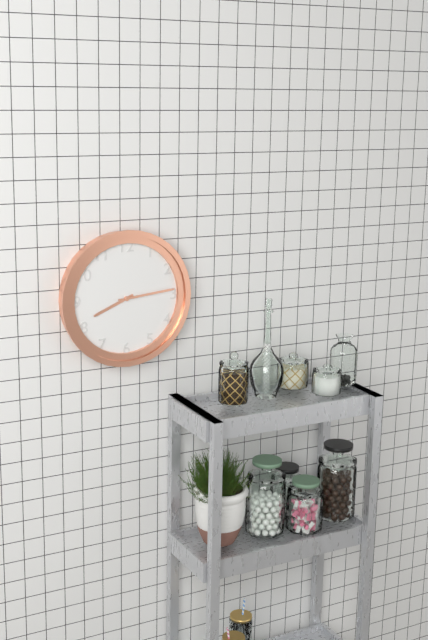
**8:14**
